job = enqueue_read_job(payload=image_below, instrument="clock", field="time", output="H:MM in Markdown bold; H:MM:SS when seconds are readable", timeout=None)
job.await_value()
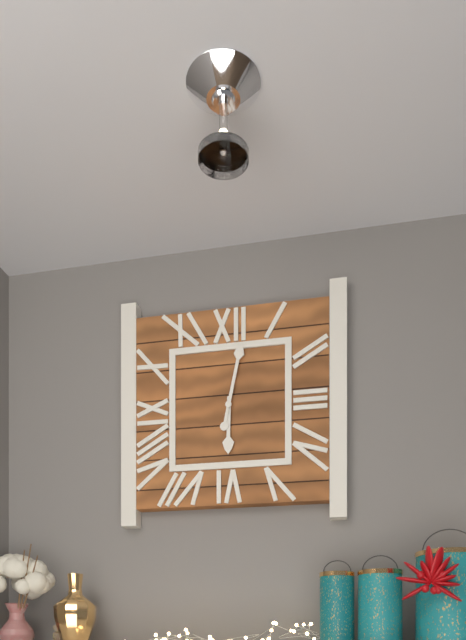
**6:02**
